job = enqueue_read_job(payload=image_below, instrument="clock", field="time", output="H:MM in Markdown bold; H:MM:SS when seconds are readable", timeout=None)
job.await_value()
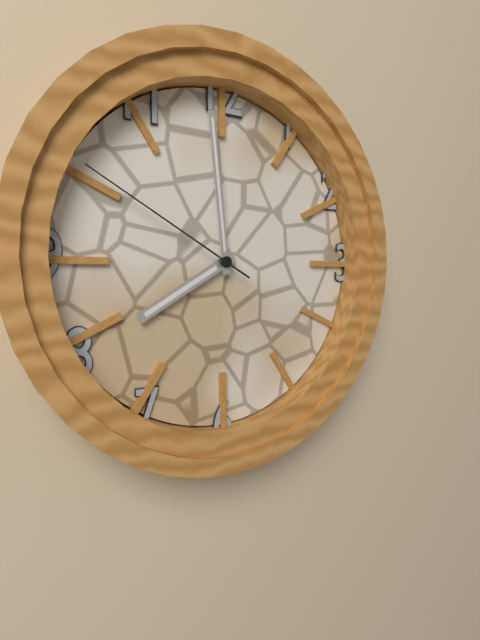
**7:59:50**
